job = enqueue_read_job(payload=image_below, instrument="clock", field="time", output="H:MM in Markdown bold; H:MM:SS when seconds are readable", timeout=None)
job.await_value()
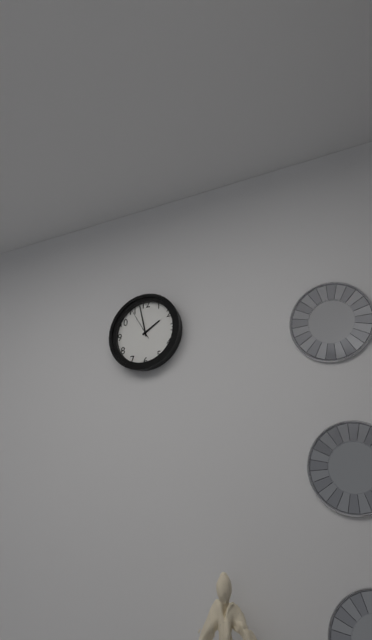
**1:58**
